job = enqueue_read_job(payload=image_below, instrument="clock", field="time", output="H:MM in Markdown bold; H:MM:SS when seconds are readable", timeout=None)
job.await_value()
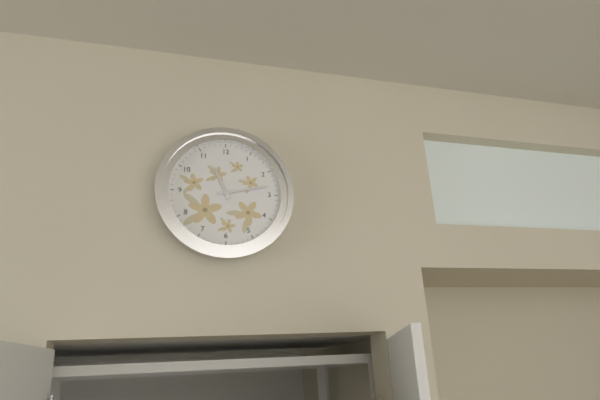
**11:13**
